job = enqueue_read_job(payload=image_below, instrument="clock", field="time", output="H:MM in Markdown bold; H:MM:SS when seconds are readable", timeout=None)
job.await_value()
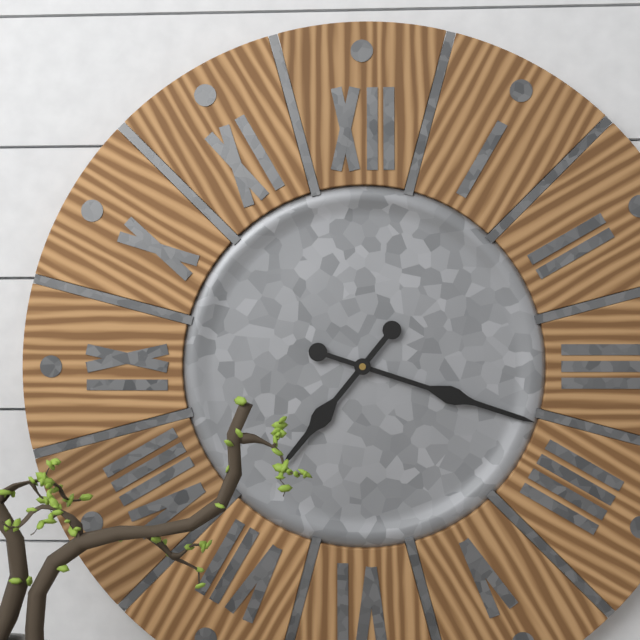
**7:18**
